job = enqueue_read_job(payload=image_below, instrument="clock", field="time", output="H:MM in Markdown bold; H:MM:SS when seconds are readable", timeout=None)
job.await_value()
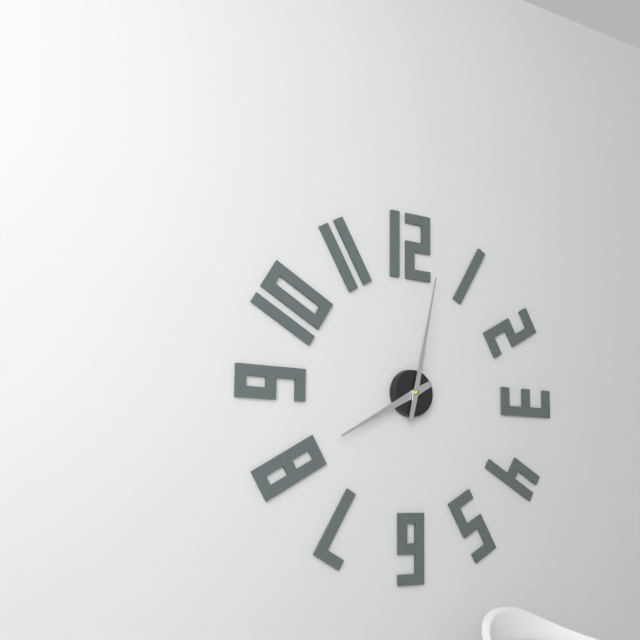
**8:02**
